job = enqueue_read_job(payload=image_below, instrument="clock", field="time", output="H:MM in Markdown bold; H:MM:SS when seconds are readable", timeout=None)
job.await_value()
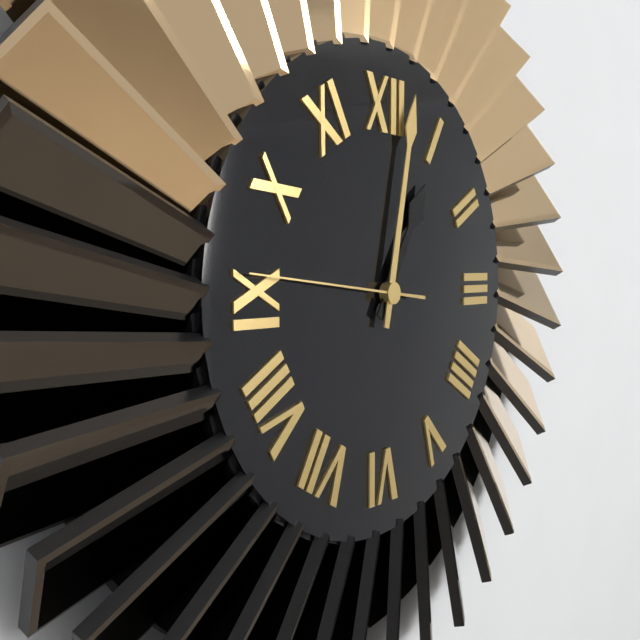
**1:02:46**
